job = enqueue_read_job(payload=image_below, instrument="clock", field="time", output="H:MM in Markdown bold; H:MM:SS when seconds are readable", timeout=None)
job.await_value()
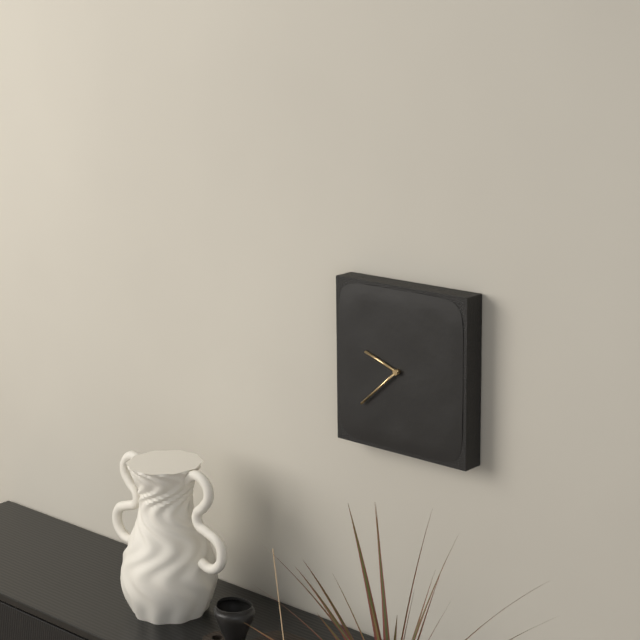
**9:38**
